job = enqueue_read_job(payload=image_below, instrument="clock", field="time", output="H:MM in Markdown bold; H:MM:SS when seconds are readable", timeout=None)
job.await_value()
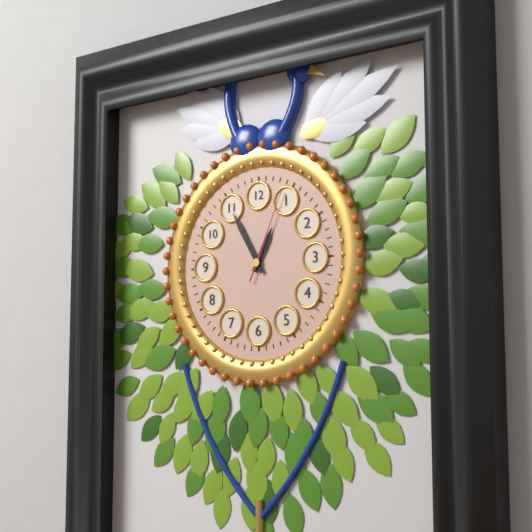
**12:55:04**
